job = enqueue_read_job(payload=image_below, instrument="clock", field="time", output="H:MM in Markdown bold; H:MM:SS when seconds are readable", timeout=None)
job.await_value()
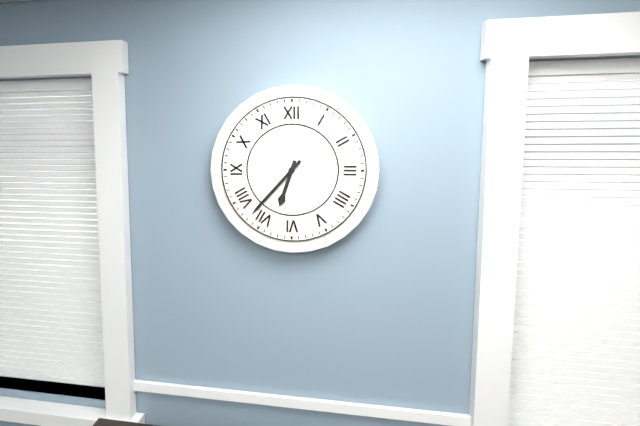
**6:37**
